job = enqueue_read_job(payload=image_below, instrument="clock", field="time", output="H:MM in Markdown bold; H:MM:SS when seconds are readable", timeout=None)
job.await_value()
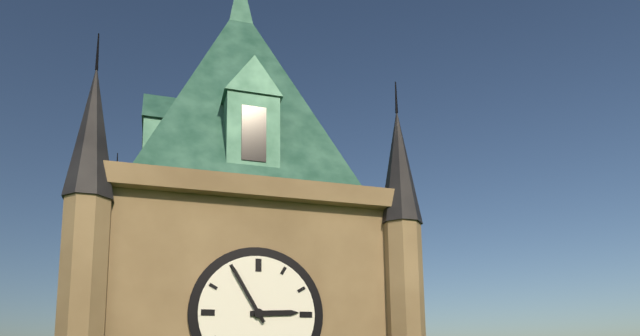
**2:55**
